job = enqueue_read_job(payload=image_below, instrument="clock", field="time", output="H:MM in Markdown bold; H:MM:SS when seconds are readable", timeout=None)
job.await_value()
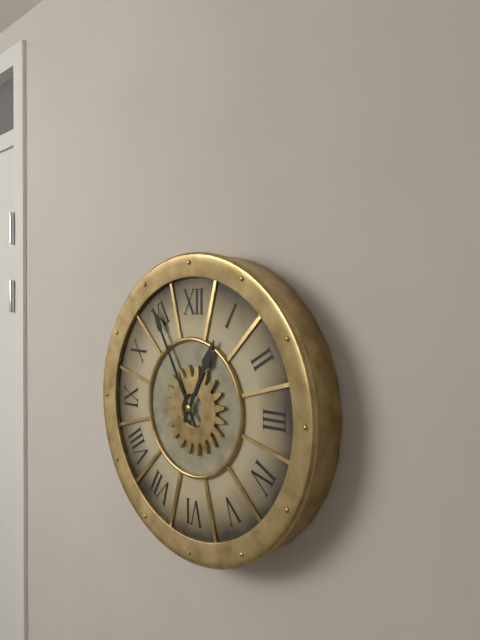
**12:55**
